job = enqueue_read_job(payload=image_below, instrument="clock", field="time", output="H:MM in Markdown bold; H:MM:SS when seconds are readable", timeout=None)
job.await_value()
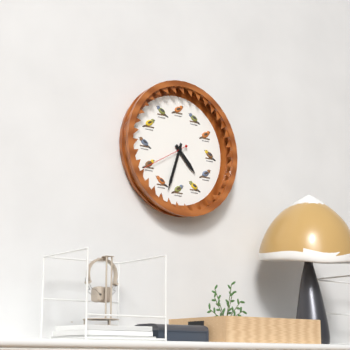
**4:33:40**
